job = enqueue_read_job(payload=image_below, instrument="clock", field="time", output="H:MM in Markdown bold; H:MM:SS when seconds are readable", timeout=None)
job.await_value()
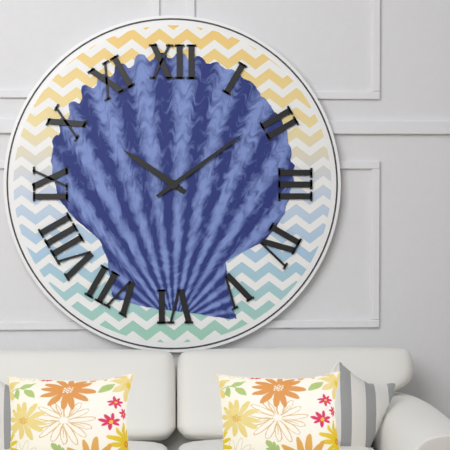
**10:09**
